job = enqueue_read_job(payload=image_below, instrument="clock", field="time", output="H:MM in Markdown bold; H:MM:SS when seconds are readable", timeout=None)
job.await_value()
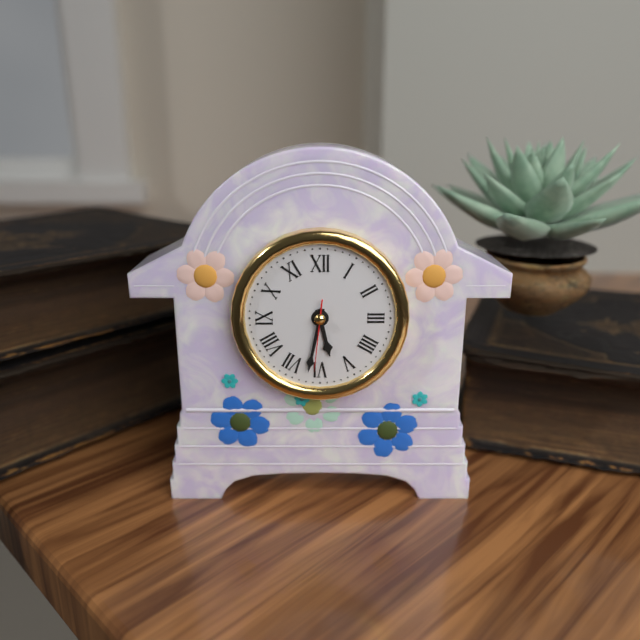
**5:32:31**
